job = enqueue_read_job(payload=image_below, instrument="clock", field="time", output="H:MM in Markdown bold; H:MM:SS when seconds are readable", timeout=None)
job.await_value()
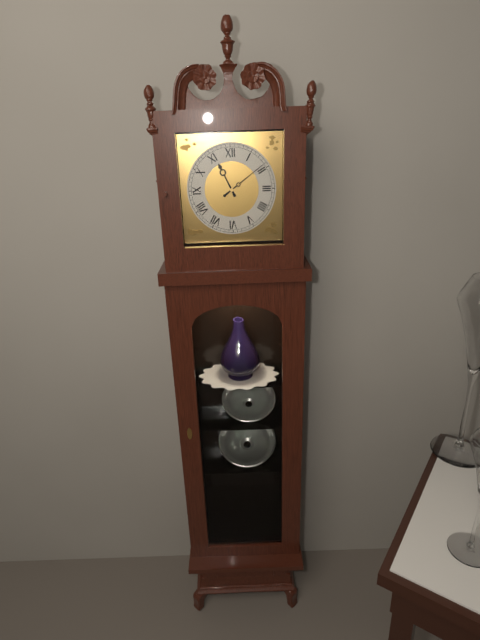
**11:09**
